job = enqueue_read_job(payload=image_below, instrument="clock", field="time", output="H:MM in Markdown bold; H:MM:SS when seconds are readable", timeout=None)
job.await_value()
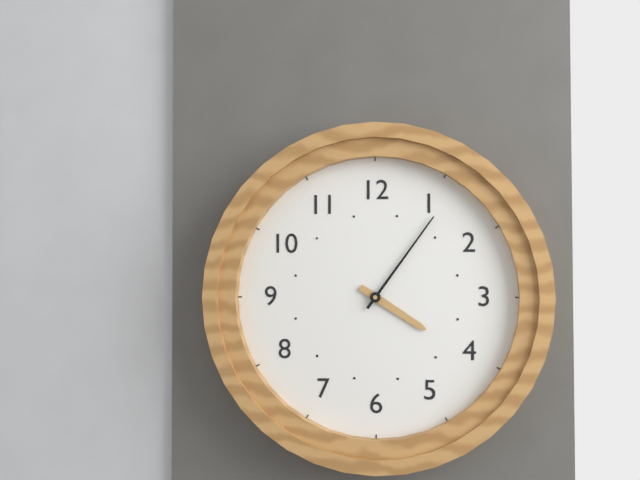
**4:06**
